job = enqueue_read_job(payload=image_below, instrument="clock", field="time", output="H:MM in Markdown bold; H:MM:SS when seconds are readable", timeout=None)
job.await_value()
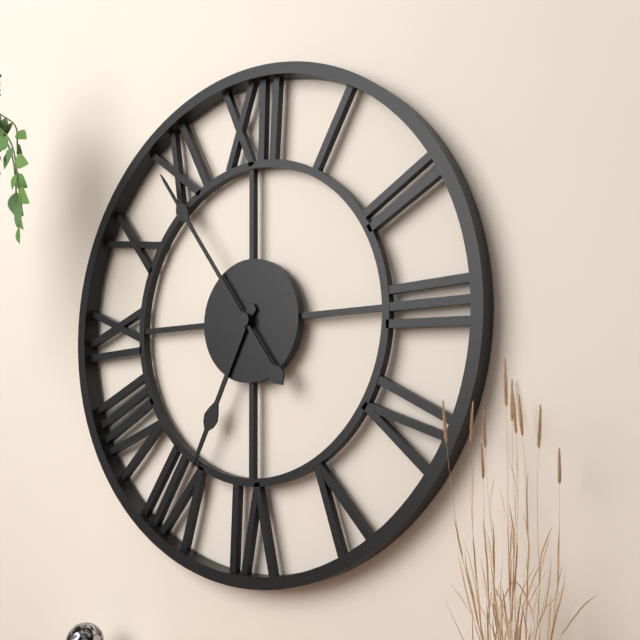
**6:54**
